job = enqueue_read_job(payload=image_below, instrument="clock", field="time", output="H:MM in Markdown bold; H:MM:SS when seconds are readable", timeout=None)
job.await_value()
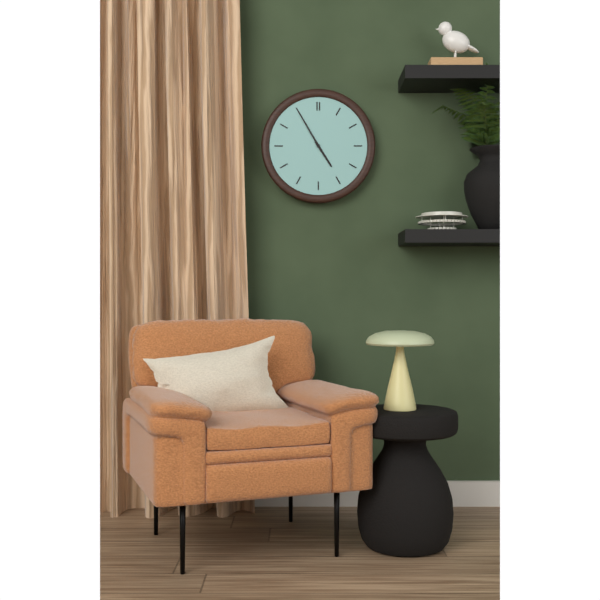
**4:55**
